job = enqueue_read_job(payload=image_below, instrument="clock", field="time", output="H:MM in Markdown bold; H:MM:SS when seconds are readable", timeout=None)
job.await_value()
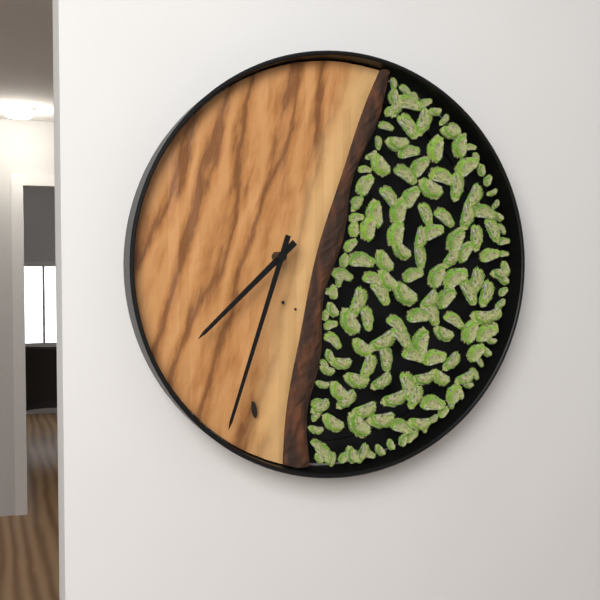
**7:33**
